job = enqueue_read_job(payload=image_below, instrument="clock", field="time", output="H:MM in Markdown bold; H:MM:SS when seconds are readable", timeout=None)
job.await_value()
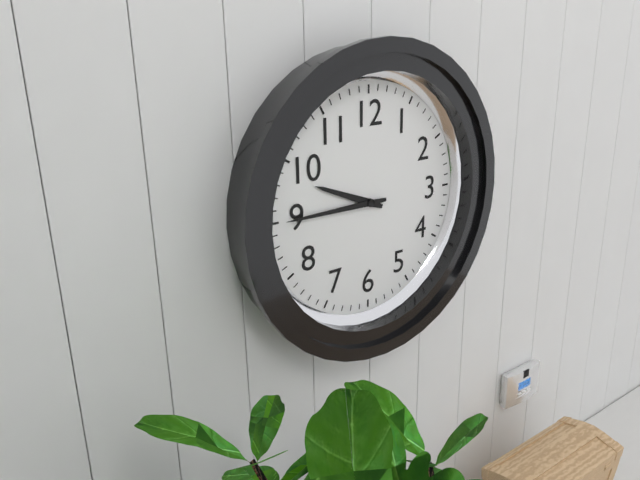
**9:45**
